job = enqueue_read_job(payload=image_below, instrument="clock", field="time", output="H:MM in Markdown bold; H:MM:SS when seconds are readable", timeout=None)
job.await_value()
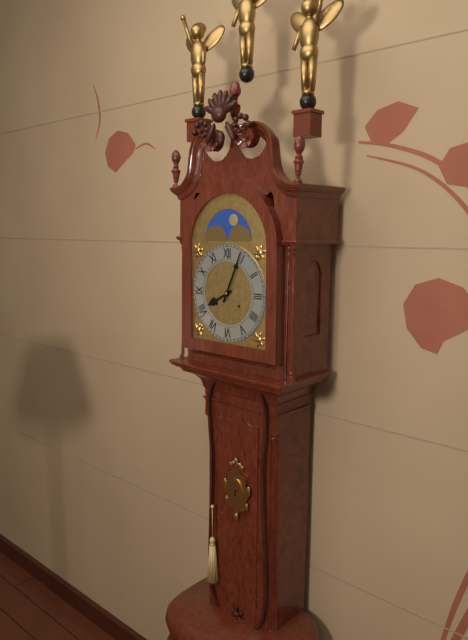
**8:04**
